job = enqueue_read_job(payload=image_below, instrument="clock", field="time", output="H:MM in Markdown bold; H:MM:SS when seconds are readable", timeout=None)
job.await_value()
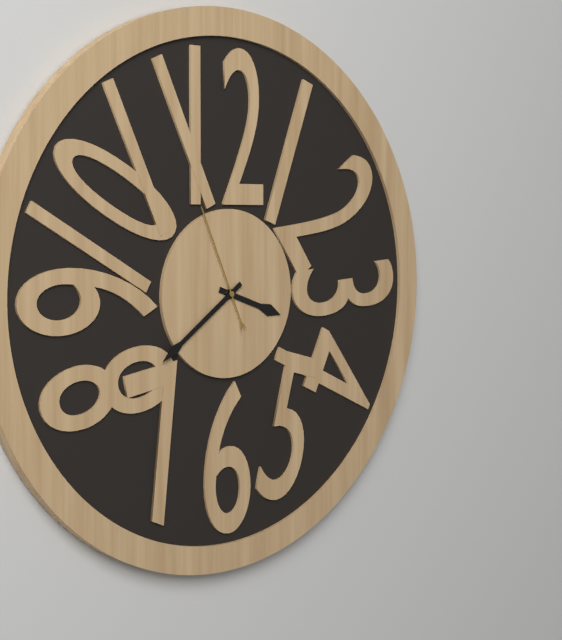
**3:39:56**
